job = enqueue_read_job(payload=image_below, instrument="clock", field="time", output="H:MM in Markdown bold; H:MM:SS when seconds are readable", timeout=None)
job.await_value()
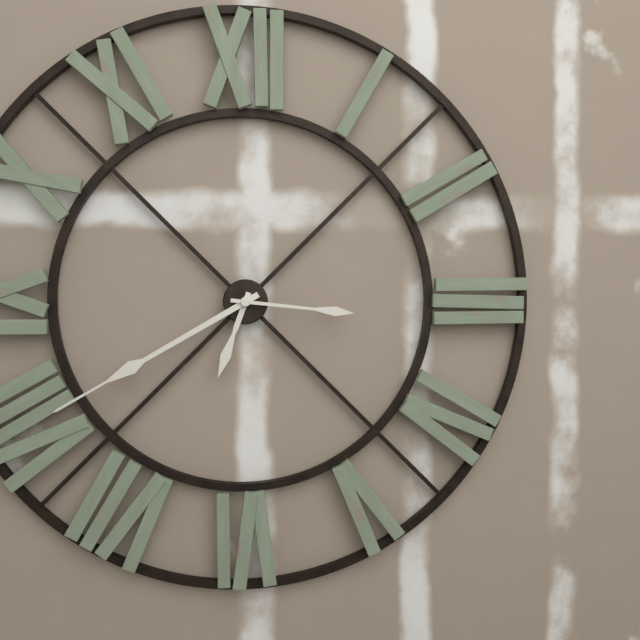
**6:40:16**
